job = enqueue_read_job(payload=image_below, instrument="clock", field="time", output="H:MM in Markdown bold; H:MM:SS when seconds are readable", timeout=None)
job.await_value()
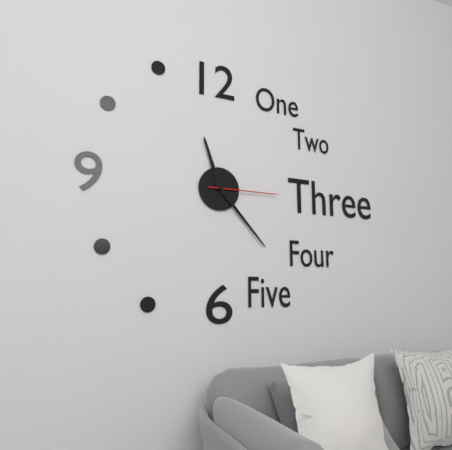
**11:23:15**
